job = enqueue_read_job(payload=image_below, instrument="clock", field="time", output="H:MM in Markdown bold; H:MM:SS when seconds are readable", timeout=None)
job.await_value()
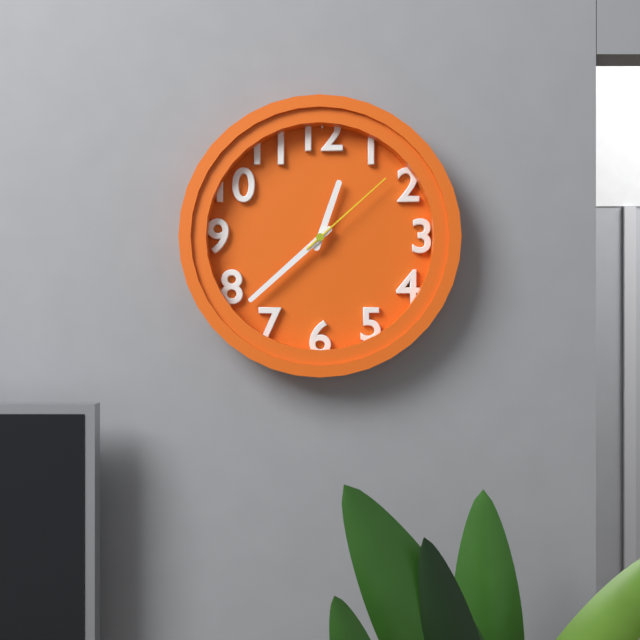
**12:38:08**
